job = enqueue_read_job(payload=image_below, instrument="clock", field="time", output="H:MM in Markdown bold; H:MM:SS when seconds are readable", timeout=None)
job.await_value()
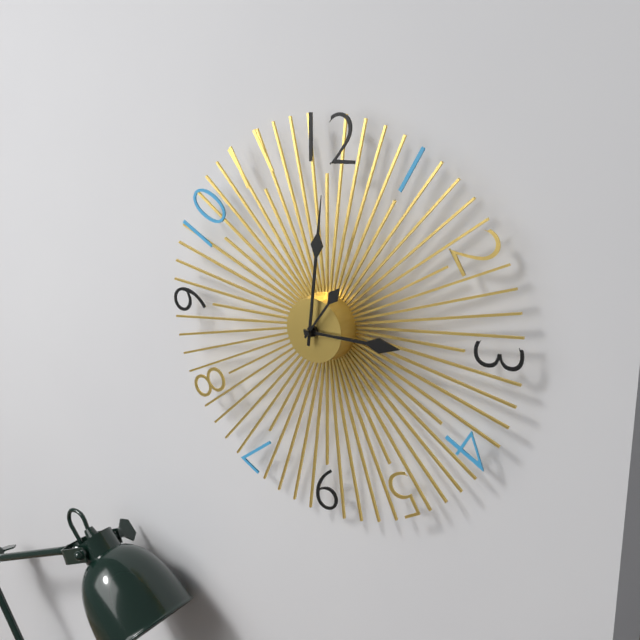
**3:01:06**
